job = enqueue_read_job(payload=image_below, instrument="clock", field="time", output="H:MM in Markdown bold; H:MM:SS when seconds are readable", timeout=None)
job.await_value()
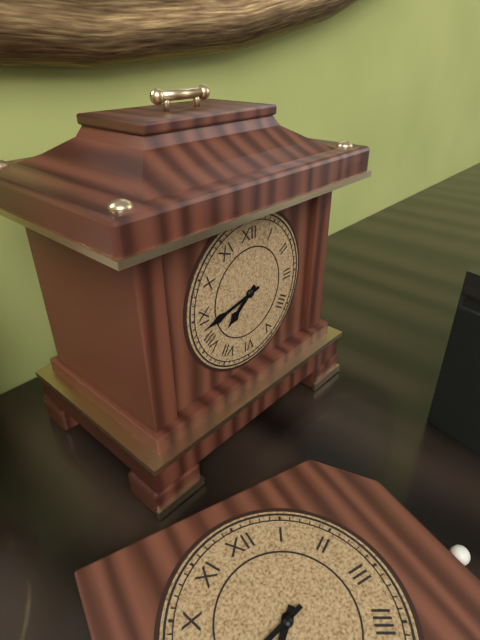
**7:43**
